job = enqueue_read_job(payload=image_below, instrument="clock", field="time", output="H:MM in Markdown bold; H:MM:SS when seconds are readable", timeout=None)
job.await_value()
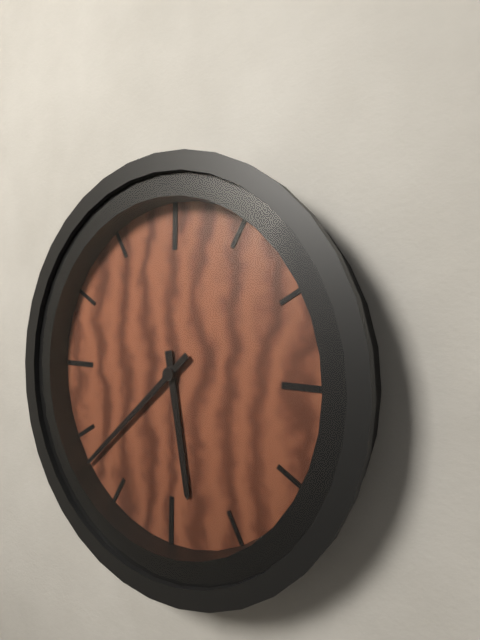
**5:38**
